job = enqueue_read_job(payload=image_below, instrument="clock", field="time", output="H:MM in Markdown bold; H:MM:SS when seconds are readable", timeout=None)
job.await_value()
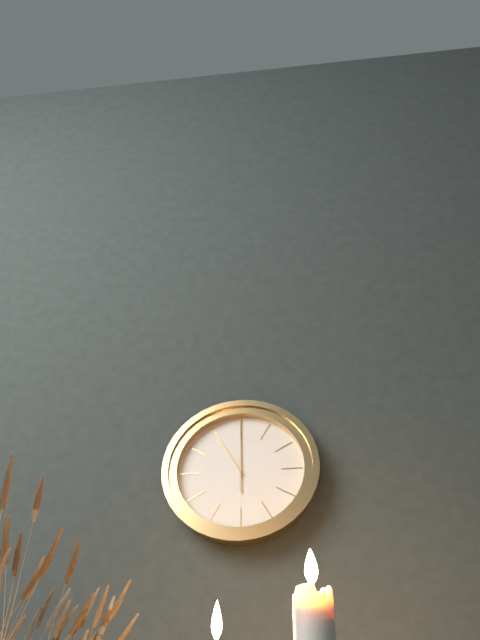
**11:00:00**
